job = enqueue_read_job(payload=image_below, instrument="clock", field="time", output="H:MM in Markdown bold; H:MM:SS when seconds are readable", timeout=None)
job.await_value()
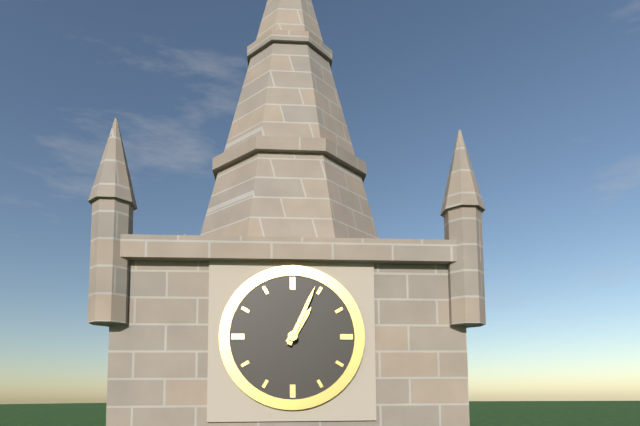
**1:04**
